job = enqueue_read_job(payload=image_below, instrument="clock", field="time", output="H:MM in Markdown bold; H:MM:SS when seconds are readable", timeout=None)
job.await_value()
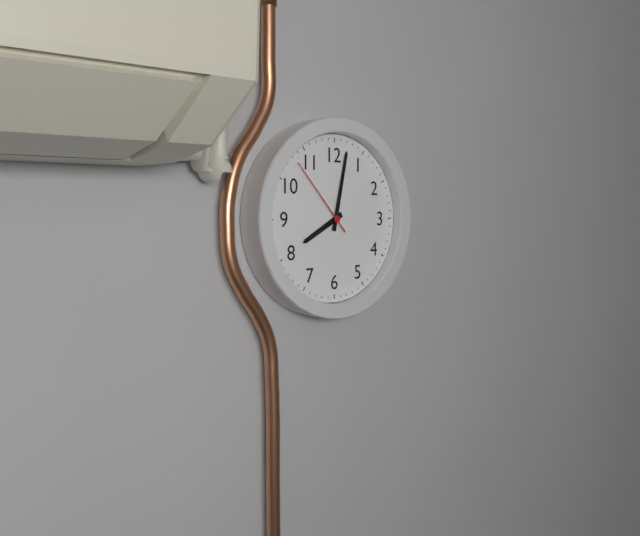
**8:02:53**
